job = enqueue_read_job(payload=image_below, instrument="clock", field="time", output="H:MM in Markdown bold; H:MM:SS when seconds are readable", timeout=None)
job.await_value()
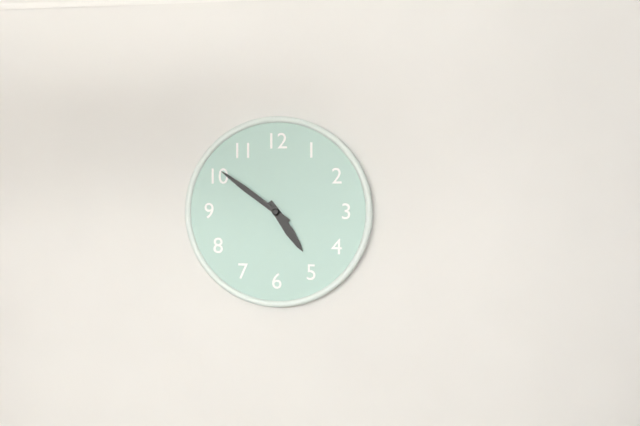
**4:51**
